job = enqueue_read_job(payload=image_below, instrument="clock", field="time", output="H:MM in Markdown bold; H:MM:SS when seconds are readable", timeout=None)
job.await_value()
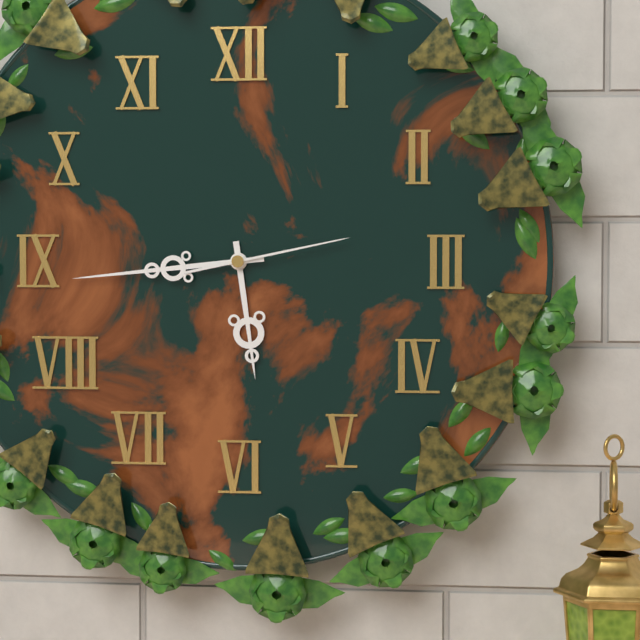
**5:44:13**
